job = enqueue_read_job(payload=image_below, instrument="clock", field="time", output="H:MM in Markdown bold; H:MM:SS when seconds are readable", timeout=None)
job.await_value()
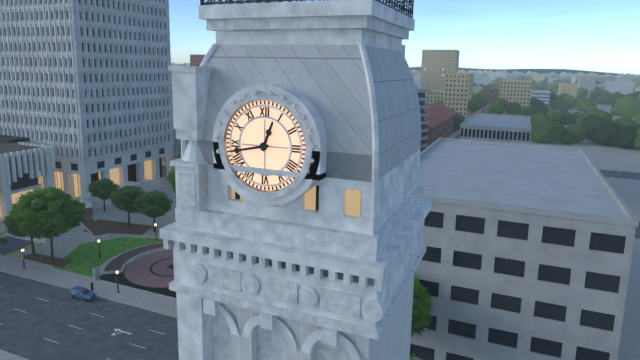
**12:43**
